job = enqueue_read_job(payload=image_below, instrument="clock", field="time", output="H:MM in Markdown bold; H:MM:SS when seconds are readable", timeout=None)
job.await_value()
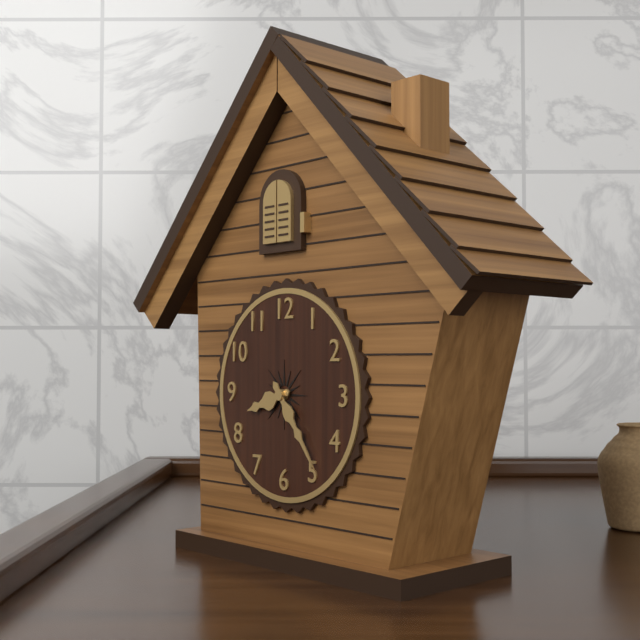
**8:24**
